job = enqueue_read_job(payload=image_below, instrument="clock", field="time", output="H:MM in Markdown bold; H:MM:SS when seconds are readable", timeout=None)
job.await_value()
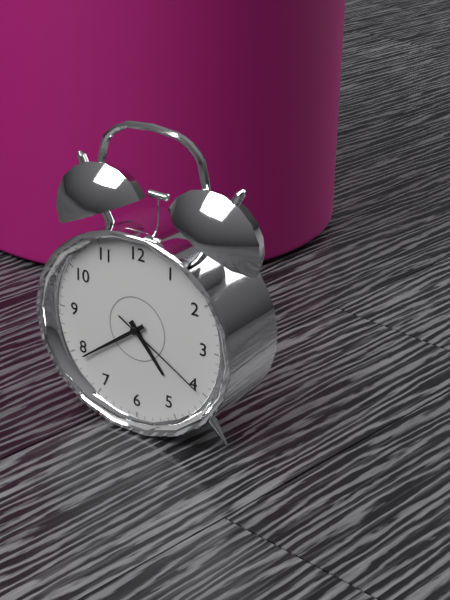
**4:39:20**
